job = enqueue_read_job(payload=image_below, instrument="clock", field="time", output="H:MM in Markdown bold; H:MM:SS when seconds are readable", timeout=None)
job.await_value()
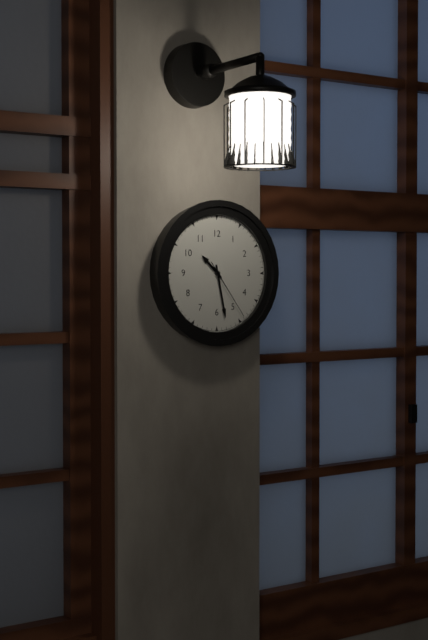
**10:28:24**
